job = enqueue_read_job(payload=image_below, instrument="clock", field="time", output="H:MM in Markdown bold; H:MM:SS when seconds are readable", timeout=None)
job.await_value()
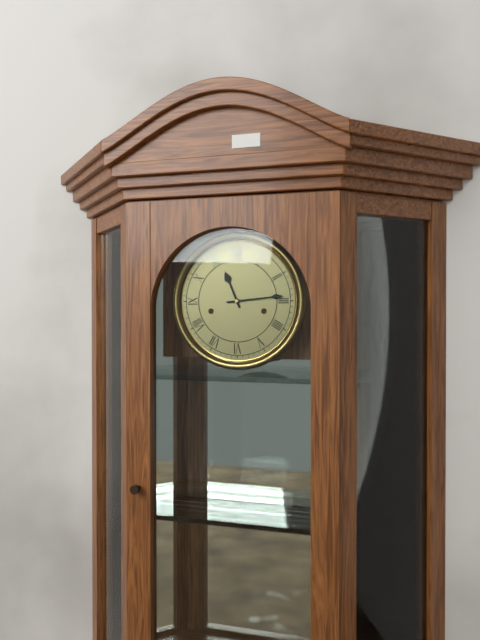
**11:14**
